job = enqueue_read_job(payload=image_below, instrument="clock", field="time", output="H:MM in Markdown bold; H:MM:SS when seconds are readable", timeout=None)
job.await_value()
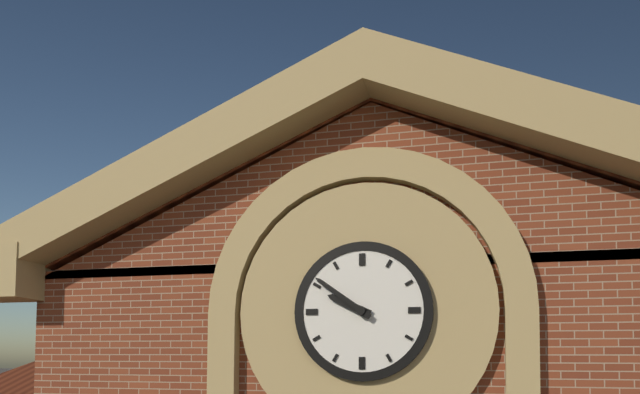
**9:51**
